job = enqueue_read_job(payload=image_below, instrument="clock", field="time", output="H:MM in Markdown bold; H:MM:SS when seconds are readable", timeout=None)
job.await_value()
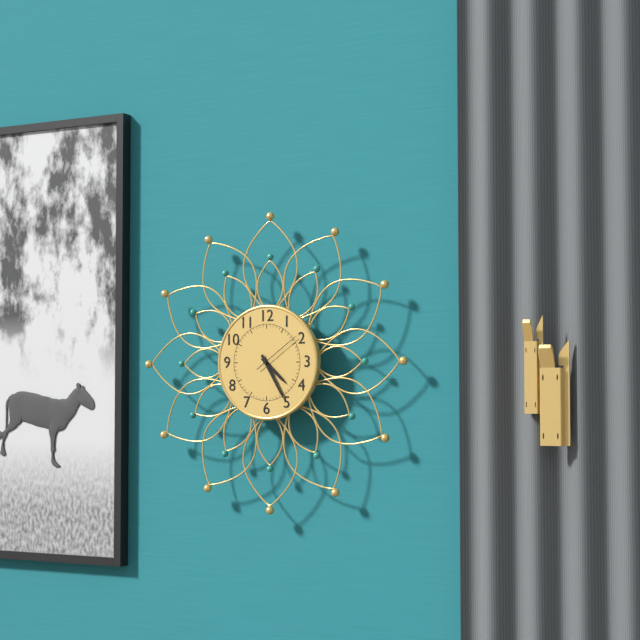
**4:25:09**
